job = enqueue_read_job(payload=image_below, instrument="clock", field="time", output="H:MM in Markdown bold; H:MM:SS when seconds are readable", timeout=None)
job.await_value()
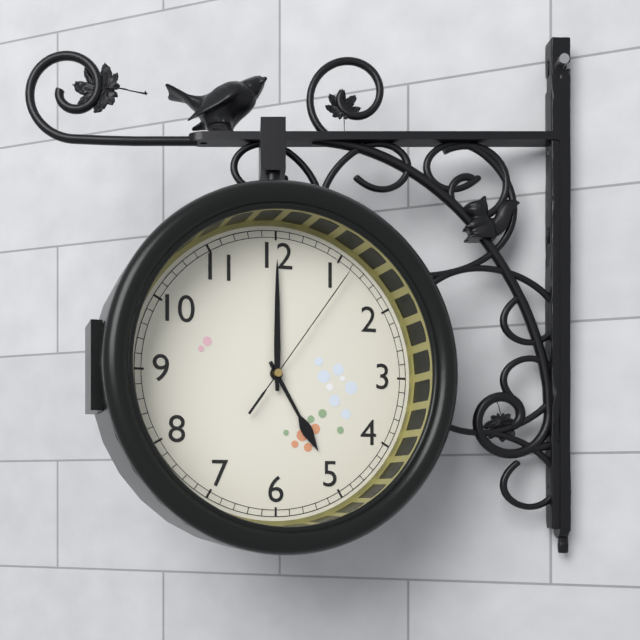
**5:00:06**
